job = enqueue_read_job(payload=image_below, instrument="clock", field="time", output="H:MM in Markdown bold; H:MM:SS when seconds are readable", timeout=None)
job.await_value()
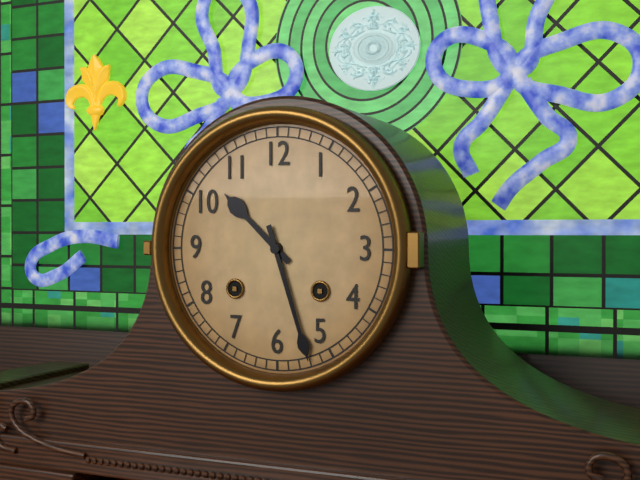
**10:27**
